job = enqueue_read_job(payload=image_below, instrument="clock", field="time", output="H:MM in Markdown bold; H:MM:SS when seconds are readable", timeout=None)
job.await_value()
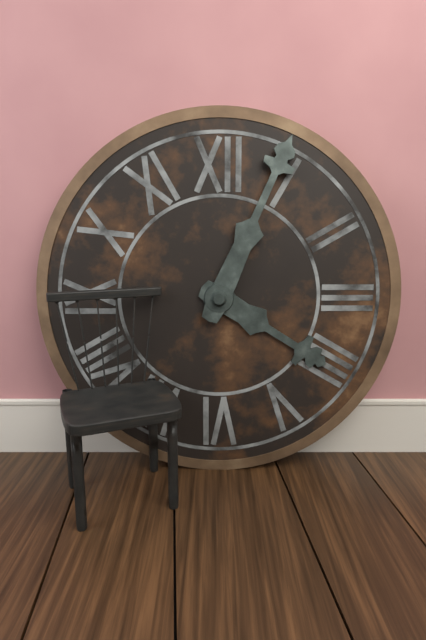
**4:04**
